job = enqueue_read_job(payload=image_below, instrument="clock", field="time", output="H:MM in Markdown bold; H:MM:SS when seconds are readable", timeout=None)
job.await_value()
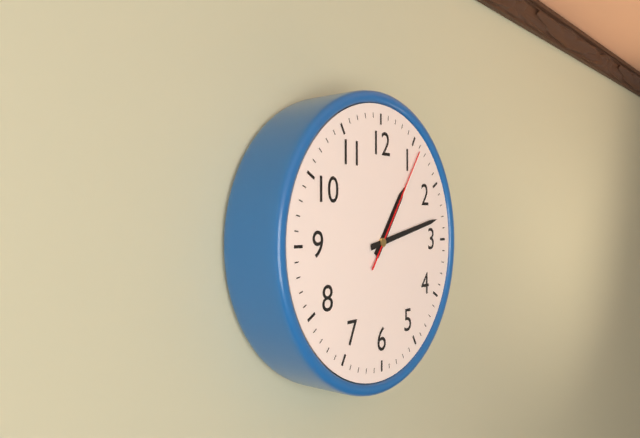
**1:13:06**
